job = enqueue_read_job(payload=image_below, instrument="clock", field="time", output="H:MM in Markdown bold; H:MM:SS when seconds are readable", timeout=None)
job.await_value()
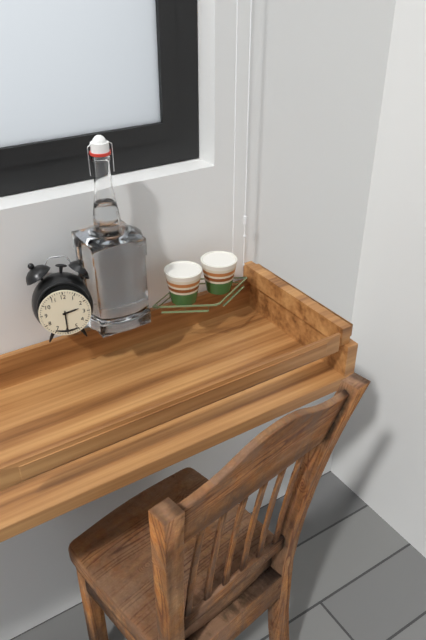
**2:30**
